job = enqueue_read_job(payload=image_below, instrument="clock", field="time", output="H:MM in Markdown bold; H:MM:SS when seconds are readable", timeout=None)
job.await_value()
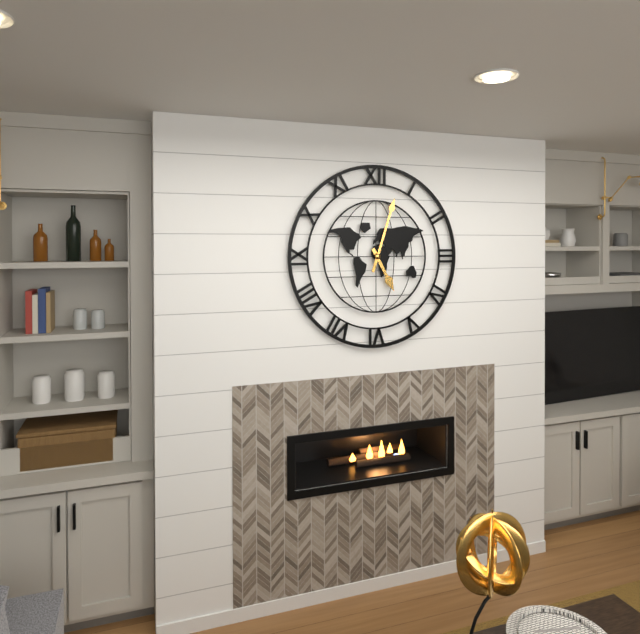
**5:03**
